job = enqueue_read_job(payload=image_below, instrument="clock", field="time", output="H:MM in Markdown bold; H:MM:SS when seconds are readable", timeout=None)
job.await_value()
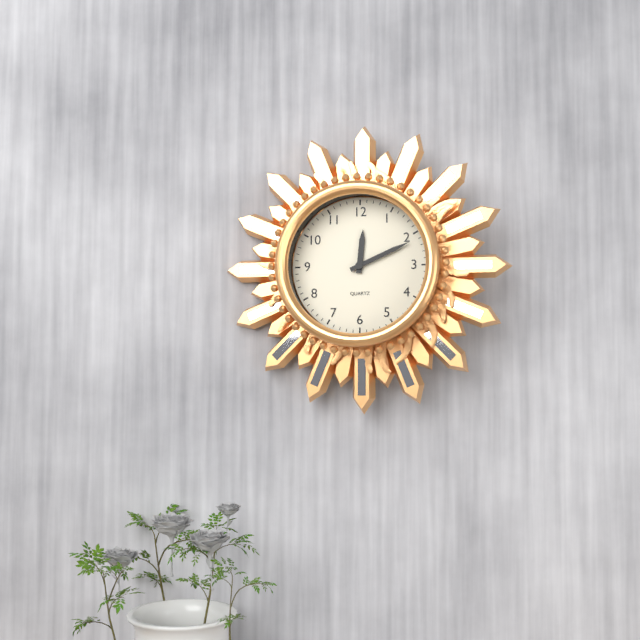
**12:11**
